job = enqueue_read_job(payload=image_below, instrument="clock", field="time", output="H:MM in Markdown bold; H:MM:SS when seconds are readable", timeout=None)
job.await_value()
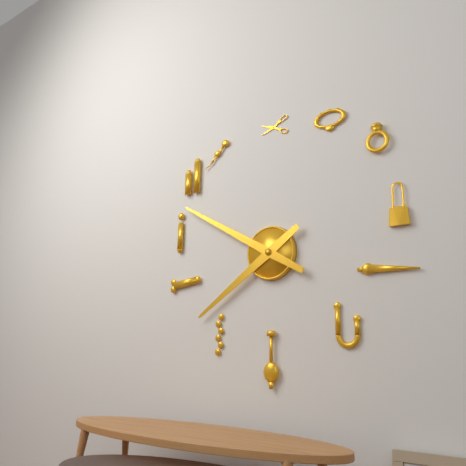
**7:50**
